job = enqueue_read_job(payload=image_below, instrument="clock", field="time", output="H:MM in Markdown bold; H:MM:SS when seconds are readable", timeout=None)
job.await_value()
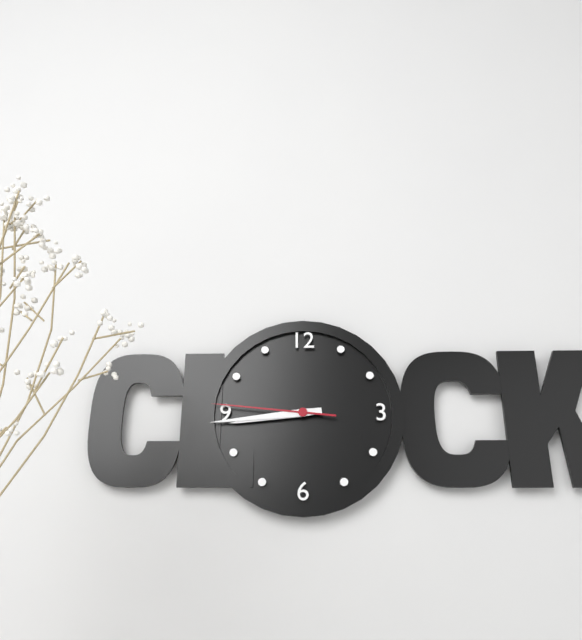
**8:44:46**
